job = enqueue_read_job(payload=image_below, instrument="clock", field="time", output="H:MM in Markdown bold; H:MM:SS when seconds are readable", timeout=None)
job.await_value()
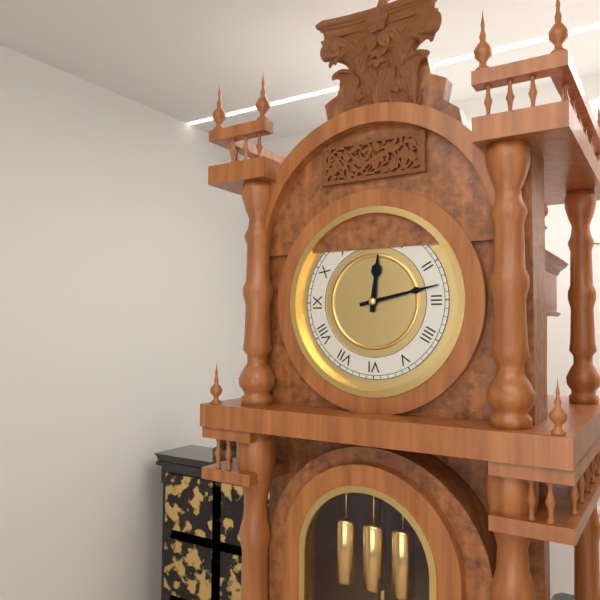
**12:13**
